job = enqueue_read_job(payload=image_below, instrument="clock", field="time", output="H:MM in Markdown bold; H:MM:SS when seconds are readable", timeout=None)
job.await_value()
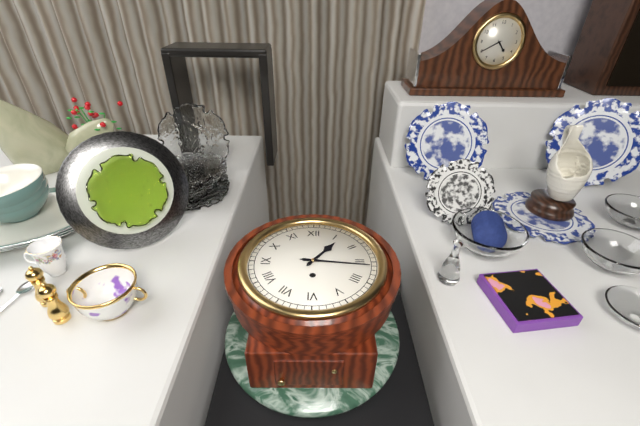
**1:16**
